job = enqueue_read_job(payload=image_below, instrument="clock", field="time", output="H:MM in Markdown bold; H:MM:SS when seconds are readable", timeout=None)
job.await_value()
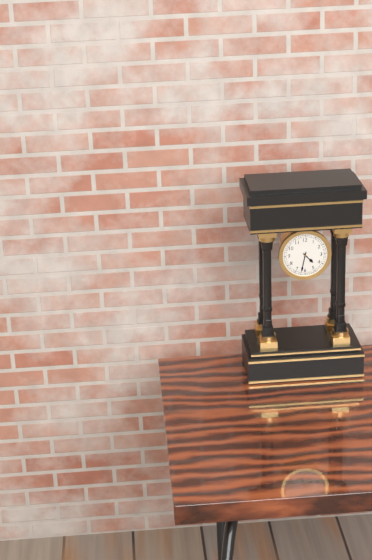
**4:32**
